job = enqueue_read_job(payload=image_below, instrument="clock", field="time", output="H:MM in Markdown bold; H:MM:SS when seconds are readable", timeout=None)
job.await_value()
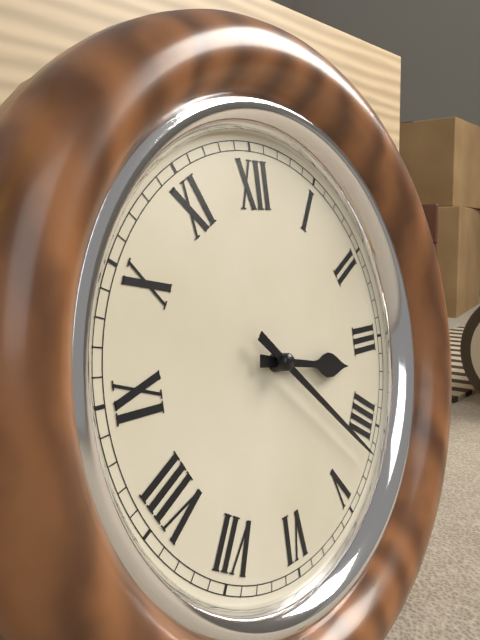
**3:22**
